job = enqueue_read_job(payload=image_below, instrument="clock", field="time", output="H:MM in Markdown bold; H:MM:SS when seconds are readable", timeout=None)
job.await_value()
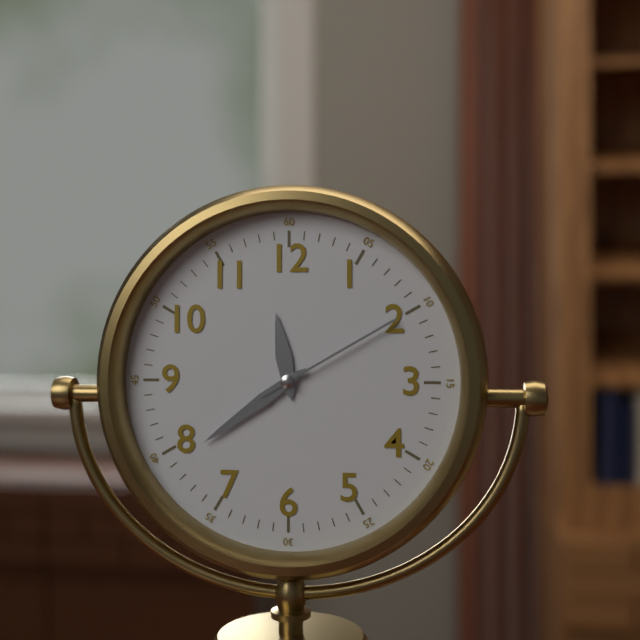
**11:39:10**
